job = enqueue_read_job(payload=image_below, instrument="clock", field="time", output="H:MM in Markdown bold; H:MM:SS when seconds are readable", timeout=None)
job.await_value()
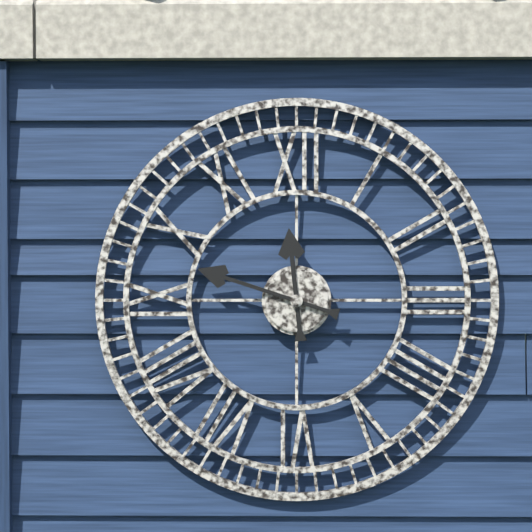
**11:48**
